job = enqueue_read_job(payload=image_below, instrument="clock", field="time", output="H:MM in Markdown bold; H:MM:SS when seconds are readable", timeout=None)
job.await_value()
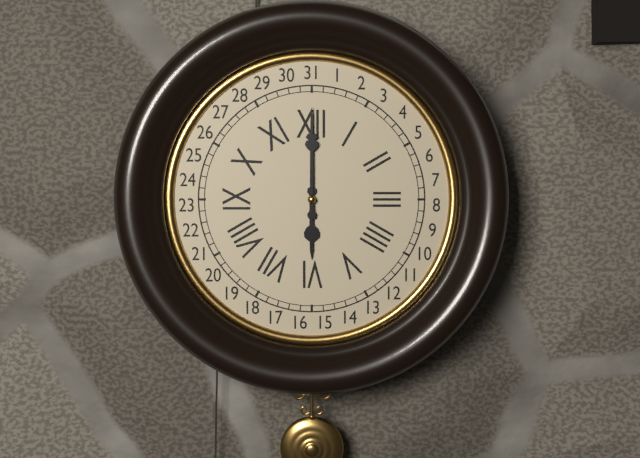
**6:00**
